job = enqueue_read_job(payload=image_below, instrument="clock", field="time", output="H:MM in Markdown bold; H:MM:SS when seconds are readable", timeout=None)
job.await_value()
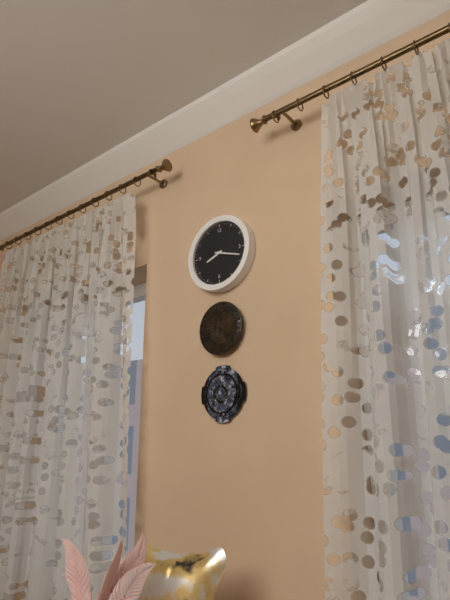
**8:18**
